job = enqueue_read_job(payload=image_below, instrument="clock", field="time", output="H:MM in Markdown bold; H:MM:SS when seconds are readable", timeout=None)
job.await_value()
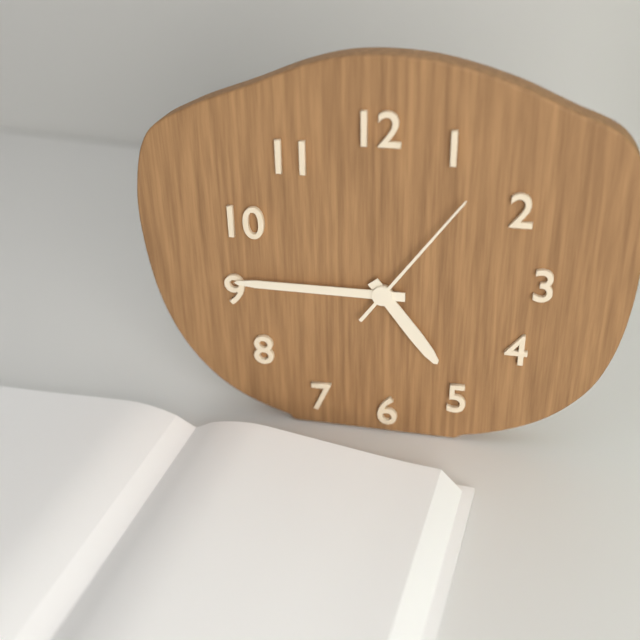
**4:45:06**
